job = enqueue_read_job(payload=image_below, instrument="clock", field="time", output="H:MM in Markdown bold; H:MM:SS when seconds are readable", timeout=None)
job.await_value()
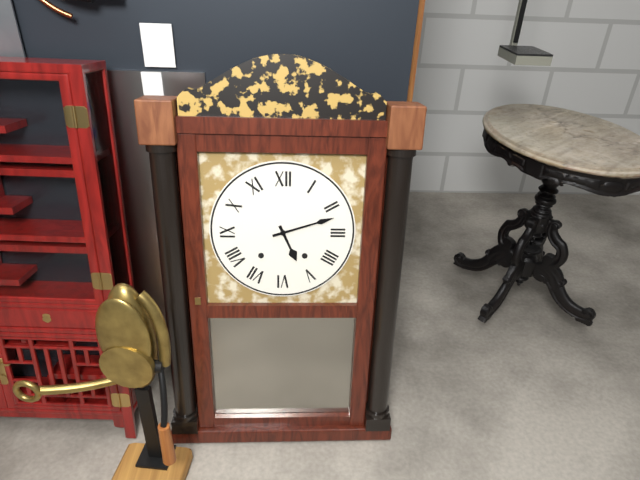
**5:12**
